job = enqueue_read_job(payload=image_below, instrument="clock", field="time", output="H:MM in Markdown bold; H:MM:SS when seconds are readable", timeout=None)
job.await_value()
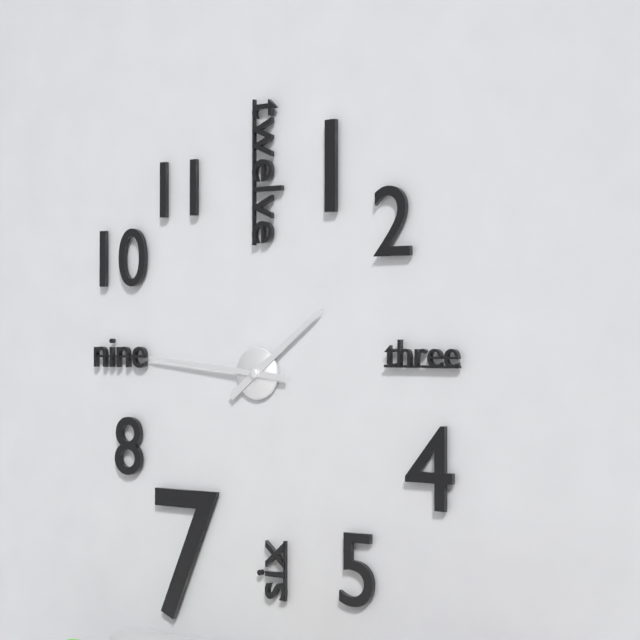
**1:46**
